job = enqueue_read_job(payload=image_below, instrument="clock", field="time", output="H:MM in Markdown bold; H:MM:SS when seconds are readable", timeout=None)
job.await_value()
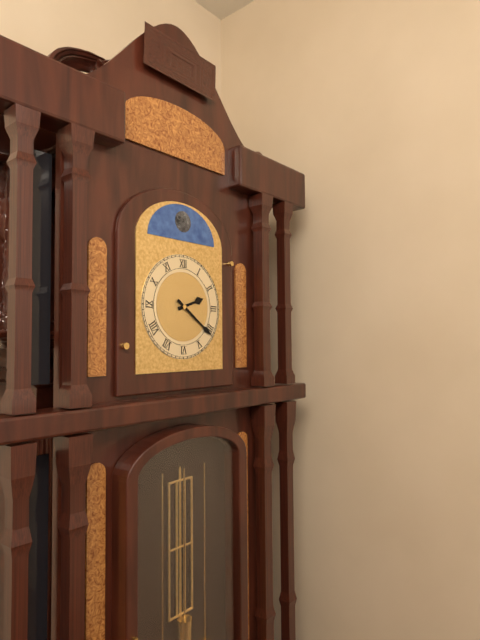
**2:21**
